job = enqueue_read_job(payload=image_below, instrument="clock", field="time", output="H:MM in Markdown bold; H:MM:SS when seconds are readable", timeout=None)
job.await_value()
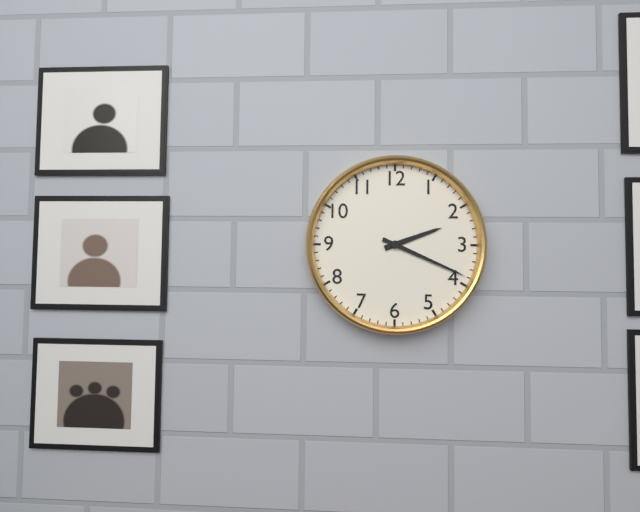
**2:19**
